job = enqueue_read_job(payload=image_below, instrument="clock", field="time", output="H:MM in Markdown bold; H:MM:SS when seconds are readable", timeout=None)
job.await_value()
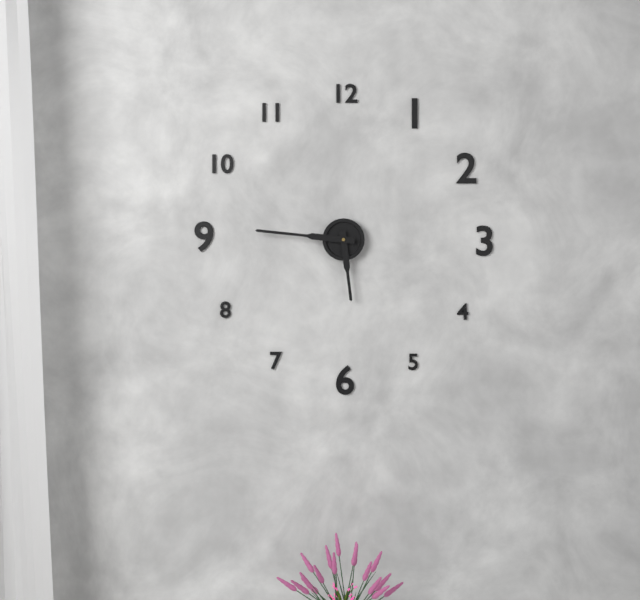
**5:46**
